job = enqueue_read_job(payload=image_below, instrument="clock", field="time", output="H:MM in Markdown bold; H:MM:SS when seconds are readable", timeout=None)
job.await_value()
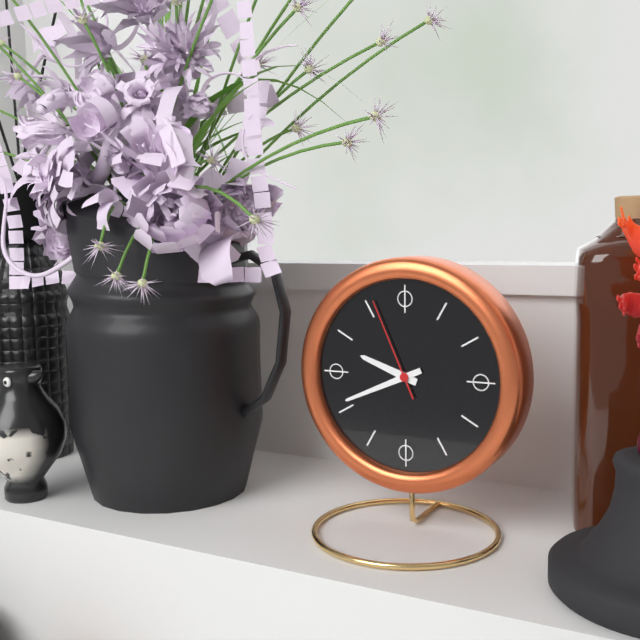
**9:41:56**
